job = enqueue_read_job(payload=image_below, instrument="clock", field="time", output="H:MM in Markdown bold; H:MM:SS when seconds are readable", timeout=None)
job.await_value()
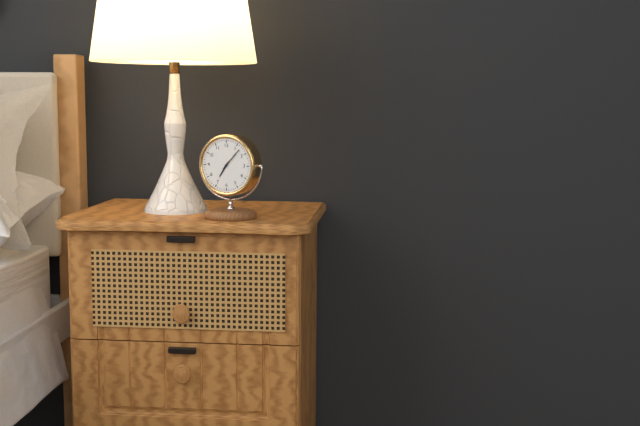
**7:07**
